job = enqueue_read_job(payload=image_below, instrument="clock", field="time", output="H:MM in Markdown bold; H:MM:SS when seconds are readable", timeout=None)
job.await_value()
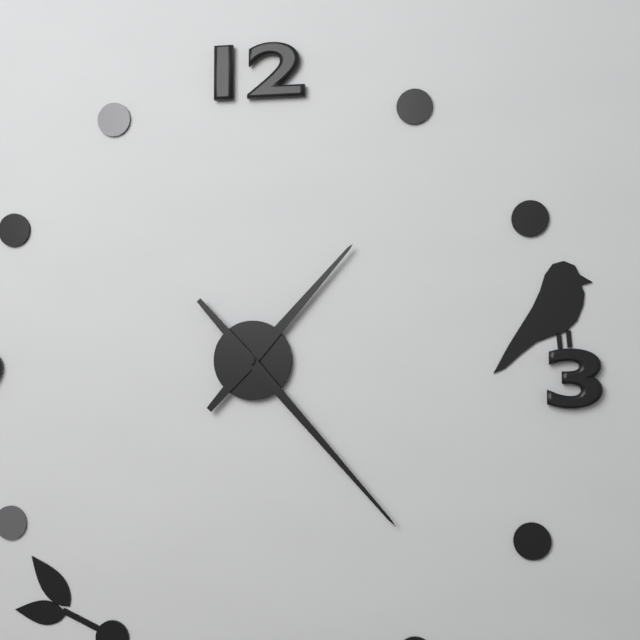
**1:23**
